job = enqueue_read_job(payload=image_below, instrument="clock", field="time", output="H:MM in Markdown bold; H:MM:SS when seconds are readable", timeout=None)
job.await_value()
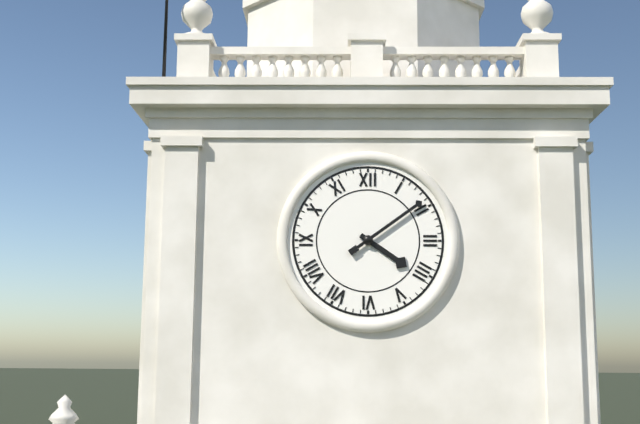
**4:09**
